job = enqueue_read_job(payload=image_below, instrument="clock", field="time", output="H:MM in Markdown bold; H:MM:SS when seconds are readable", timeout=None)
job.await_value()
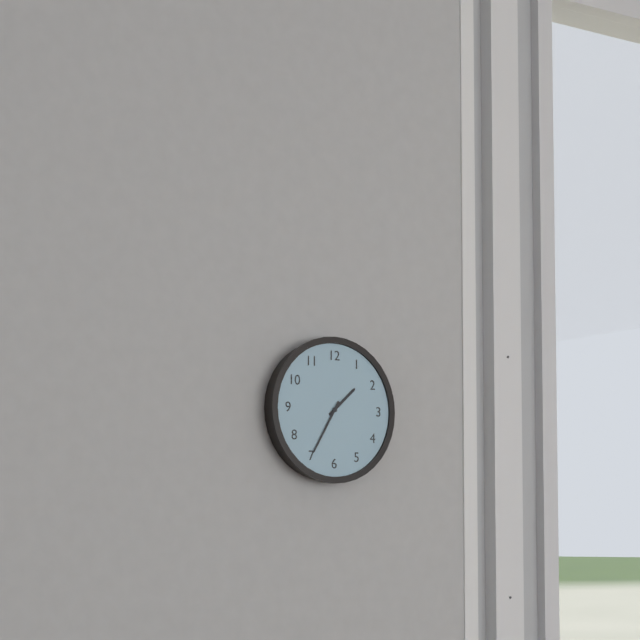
**1:35**
